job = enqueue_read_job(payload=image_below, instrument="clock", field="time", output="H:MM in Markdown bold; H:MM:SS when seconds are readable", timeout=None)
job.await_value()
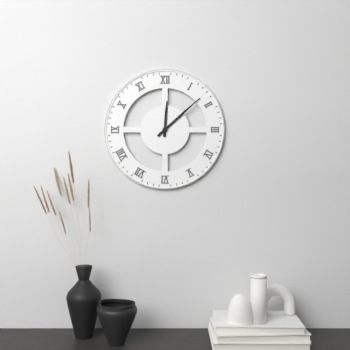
**12:08**
